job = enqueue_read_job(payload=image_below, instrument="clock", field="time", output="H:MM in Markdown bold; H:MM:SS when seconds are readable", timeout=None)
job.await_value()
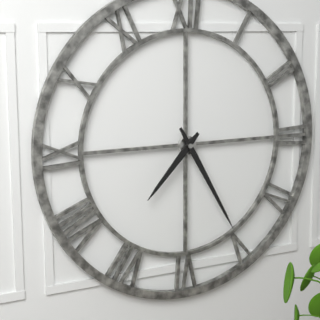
**7:25**
